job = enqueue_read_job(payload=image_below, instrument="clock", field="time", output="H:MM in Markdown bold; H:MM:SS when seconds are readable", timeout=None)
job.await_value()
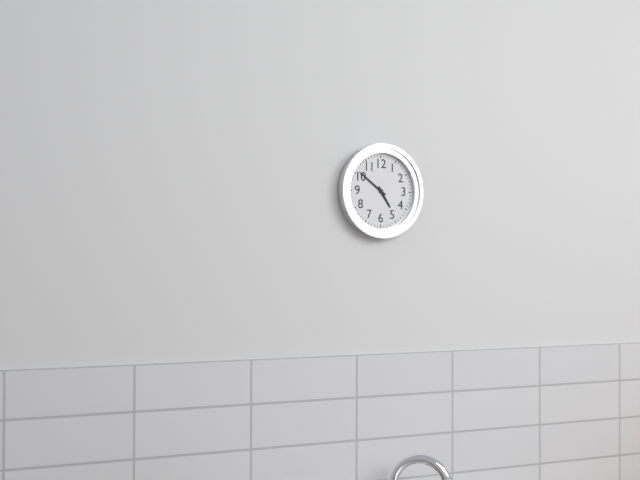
**4:51**
